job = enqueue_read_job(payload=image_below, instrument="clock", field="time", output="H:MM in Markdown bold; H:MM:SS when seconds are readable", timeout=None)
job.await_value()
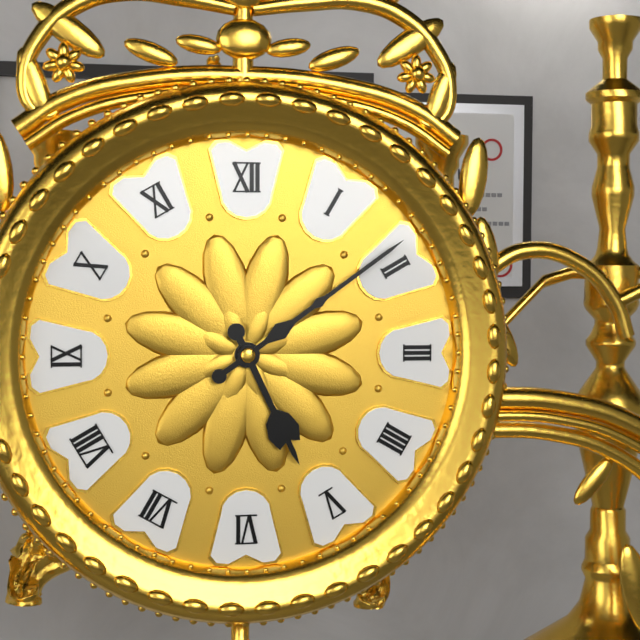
**5:09**
